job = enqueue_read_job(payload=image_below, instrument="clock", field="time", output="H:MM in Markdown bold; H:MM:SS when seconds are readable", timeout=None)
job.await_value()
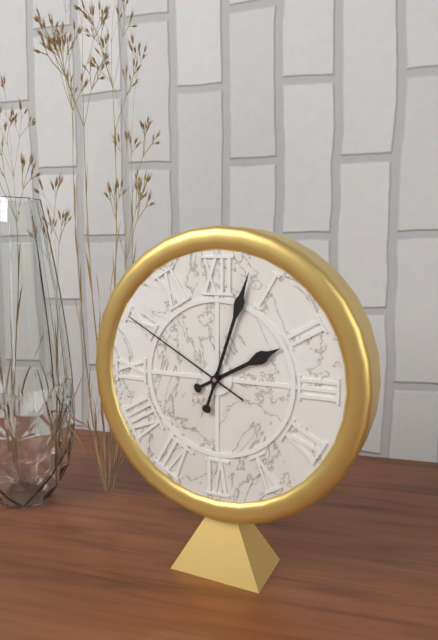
**2:03:50**
